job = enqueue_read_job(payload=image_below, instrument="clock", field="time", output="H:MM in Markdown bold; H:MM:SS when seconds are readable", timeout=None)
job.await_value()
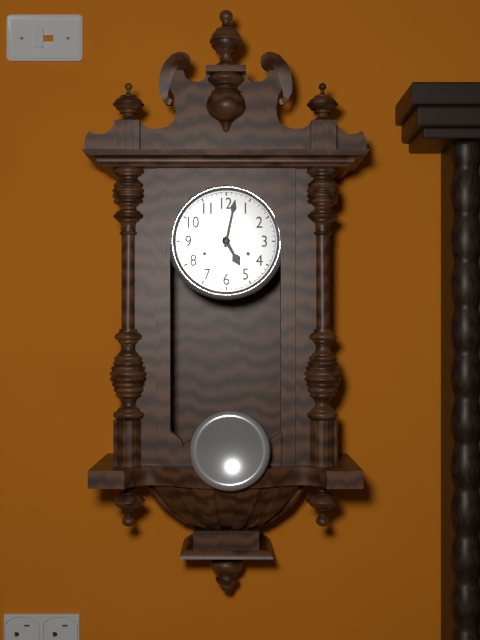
**5:02**
